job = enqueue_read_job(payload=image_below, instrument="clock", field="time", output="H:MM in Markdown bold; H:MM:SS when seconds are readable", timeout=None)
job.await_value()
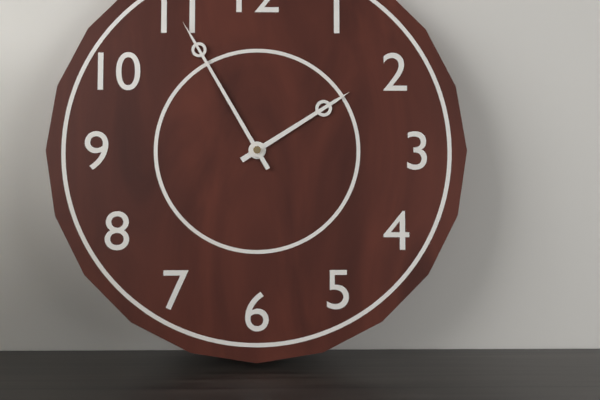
**1:55**
